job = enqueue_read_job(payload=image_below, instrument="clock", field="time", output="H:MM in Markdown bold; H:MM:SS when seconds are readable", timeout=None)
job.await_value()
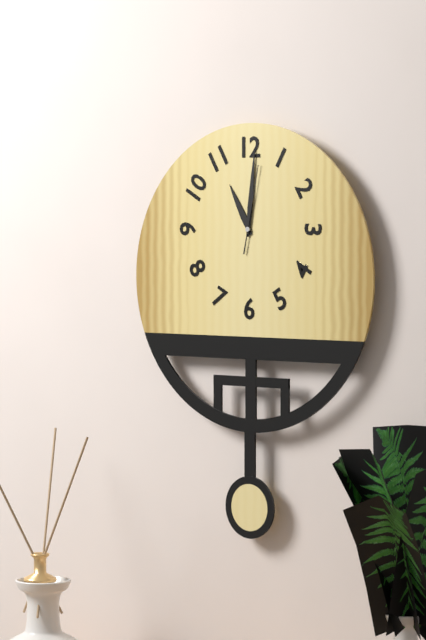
**11:01:02**
